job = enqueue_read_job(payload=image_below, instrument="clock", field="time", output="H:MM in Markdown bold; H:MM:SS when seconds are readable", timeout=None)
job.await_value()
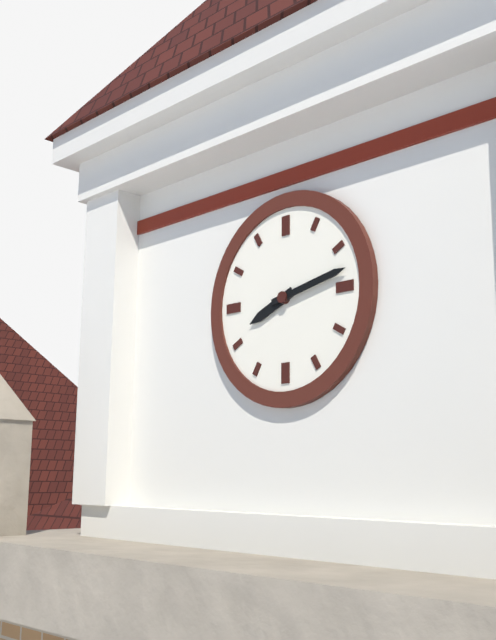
**8:13**
